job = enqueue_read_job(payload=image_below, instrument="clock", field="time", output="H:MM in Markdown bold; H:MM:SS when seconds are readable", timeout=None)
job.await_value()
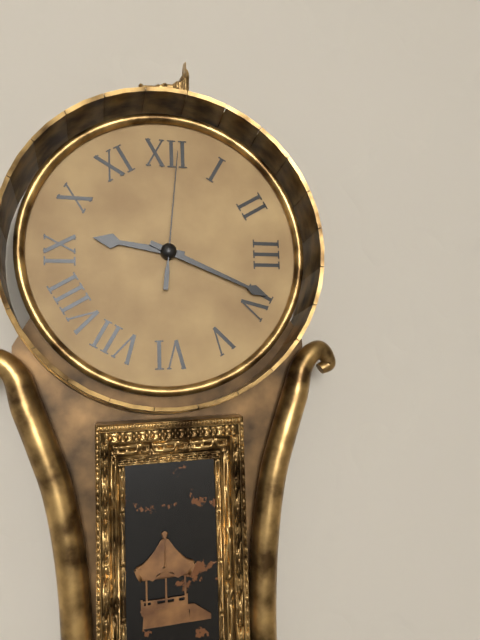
**9:19:01**
